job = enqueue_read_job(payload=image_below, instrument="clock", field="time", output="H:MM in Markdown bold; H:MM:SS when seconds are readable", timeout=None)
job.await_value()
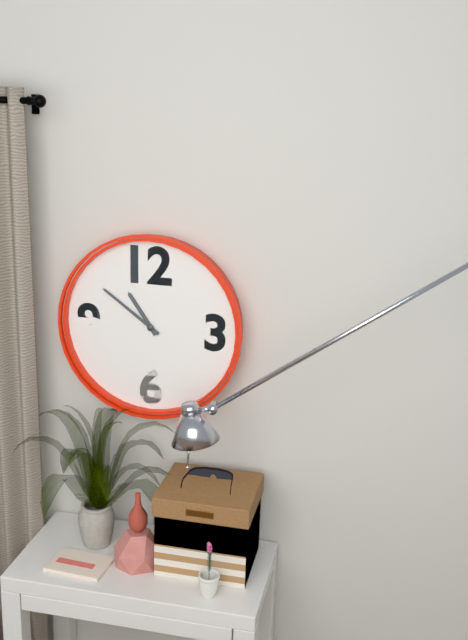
**10:51**
